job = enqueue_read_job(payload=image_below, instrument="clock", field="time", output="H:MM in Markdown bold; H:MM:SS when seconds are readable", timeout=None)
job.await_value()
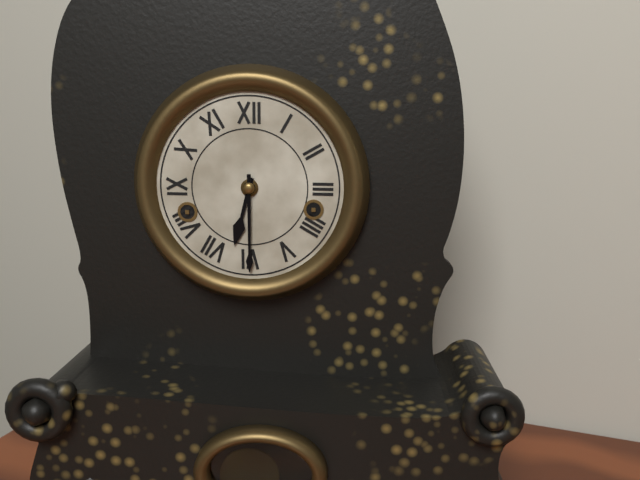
**6:30**
